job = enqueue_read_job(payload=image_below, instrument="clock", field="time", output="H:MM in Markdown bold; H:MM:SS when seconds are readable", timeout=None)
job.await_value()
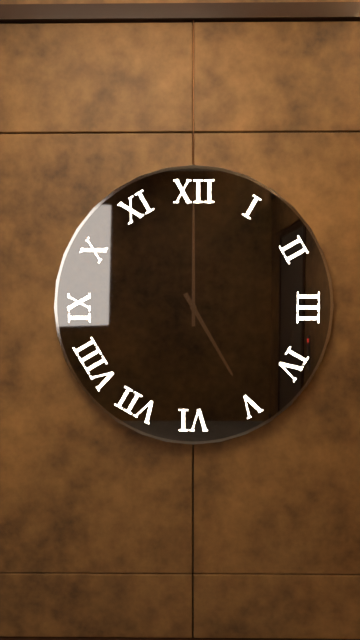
**5:00**
